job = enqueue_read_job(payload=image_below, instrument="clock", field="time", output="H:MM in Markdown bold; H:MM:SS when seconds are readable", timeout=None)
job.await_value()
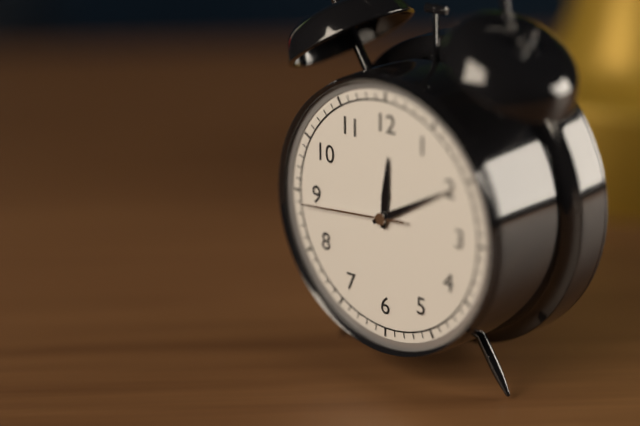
**12:10:44**
